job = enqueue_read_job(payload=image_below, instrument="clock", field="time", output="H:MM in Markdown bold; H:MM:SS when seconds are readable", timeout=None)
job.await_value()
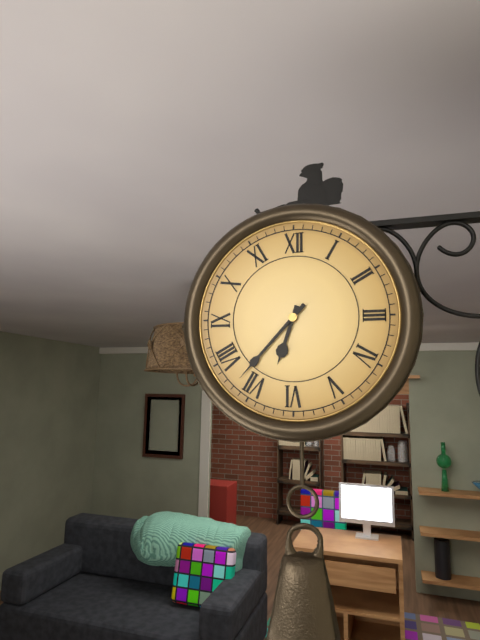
**6:37**
